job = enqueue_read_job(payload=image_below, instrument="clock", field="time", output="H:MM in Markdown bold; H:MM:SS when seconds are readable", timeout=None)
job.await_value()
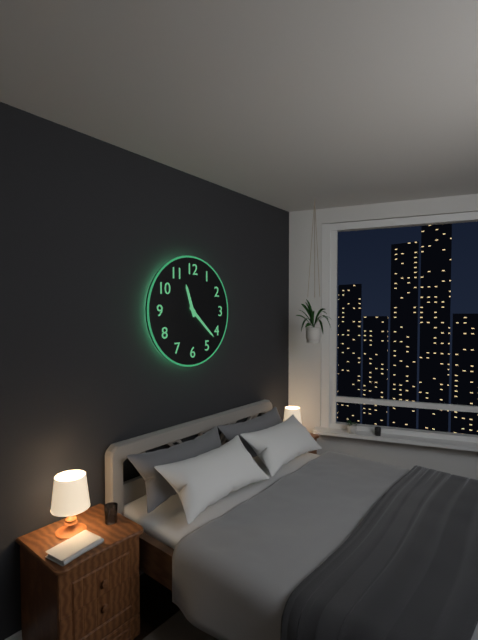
**11:22**
